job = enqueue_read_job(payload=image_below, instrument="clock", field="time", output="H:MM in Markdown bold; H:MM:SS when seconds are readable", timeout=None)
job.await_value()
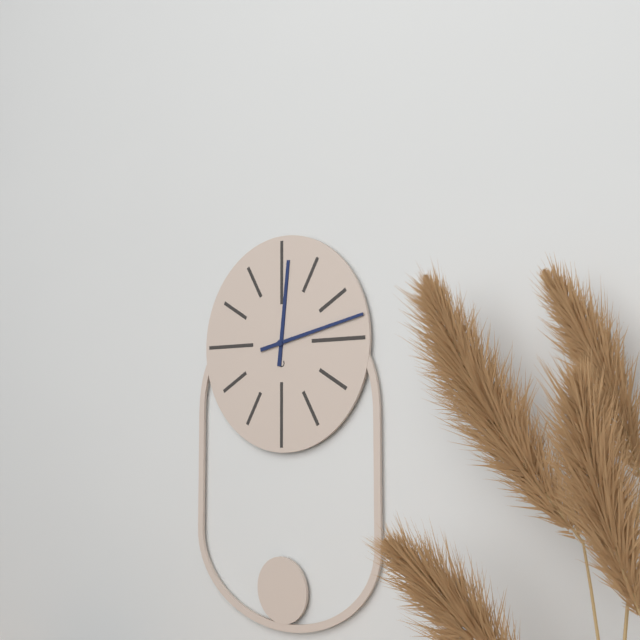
**12:13**
